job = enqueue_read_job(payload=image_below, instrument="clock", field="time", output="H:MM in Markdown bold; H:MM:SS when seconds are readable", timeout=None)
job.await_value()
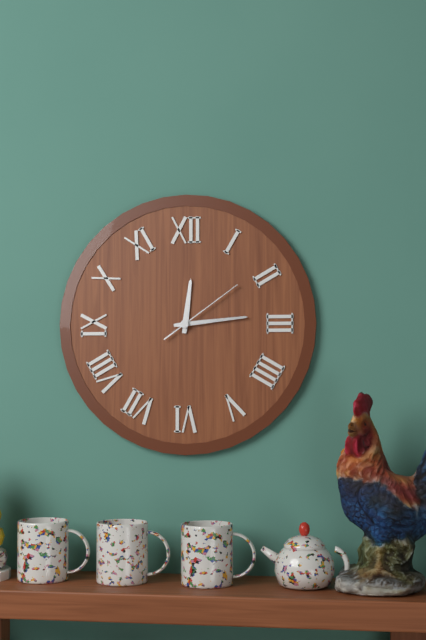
**12:14:09**
